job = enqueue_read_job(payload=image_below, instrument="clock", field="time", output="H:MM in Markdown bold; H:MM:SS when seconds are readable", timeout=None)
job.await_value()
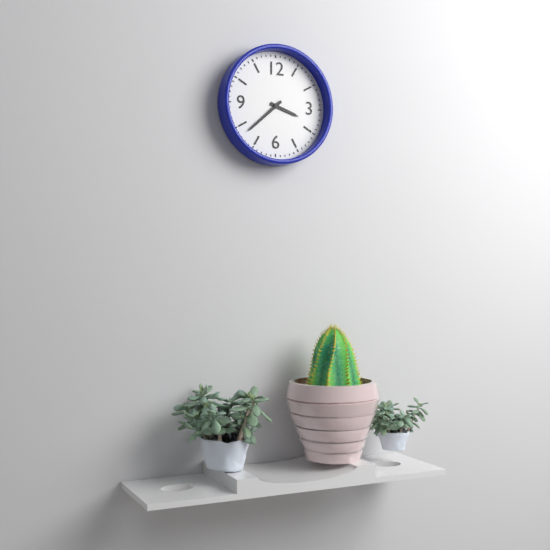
**3:38**
